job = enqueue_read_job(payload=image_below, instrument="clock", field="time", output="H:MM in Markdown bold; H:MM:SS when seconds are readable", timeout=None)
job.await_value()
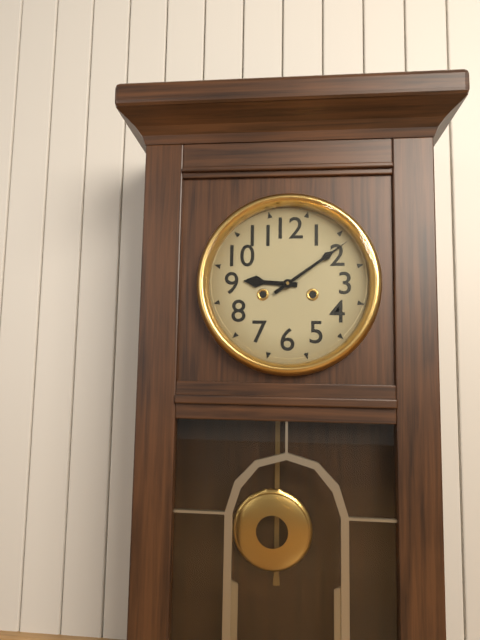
**9:09**
